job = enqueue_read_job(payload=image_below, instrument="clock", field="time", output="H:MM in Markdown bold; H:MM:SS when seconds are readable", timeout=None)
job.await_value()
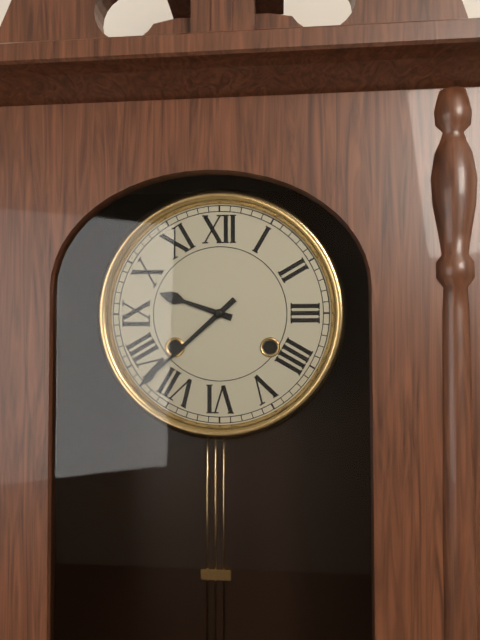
**9:38**
